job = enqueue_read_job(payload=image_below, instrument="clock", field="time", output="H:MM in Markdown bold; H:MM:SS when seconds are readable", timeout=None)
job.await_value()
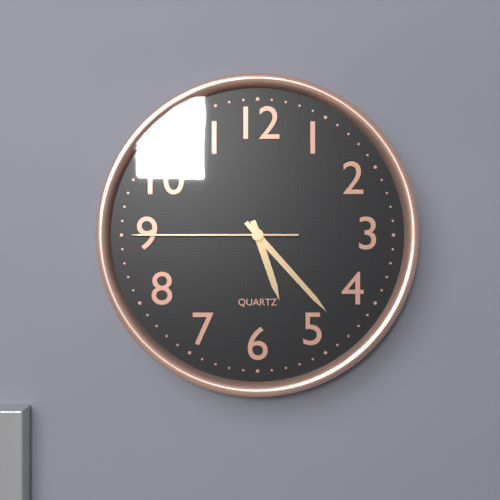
**5:23:45**
